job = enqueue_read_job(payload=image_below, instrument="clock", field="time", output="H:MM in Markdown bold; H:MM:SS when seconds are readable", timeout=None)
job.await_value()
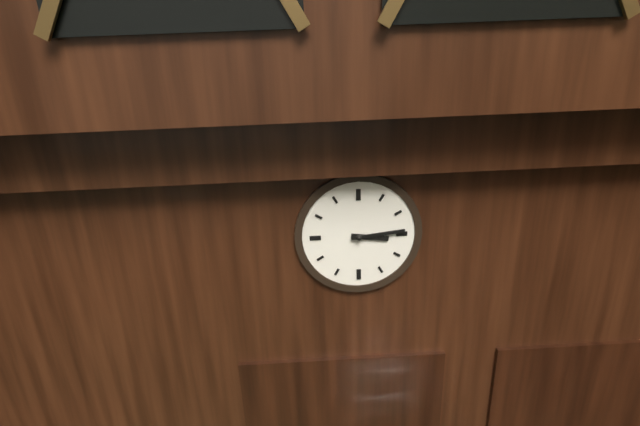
**3:14**
